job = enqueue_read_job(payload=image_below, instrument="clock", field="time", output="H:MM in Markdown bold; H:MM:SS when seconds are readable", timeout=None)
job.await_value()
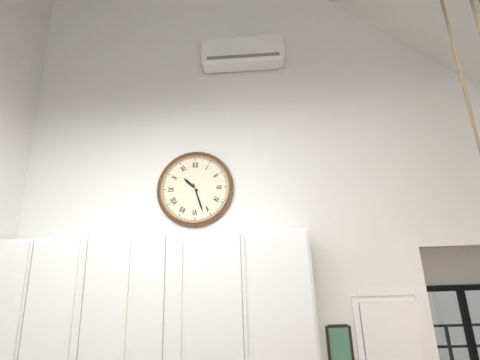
**10:27**
